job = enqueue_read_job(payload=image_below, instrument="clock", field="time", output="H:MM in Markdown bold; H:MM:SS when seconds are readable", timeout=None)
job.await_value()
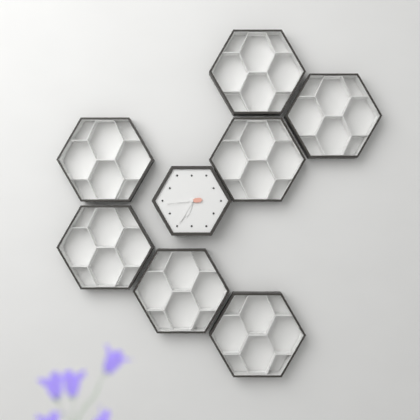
**6:35**
